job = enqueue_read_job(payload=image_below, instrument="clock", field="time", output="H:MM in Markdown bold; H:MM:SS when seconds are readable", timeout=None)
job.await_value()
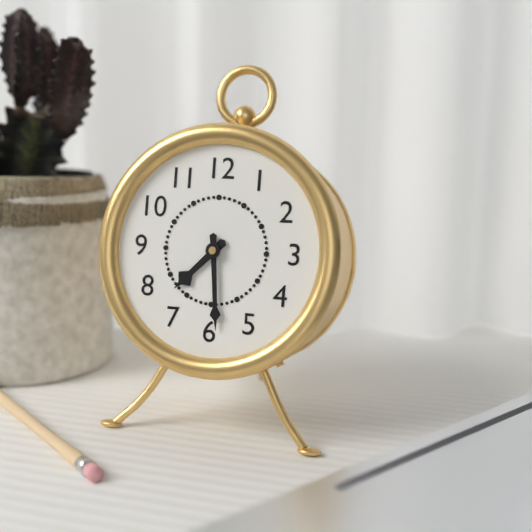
**7:29**
